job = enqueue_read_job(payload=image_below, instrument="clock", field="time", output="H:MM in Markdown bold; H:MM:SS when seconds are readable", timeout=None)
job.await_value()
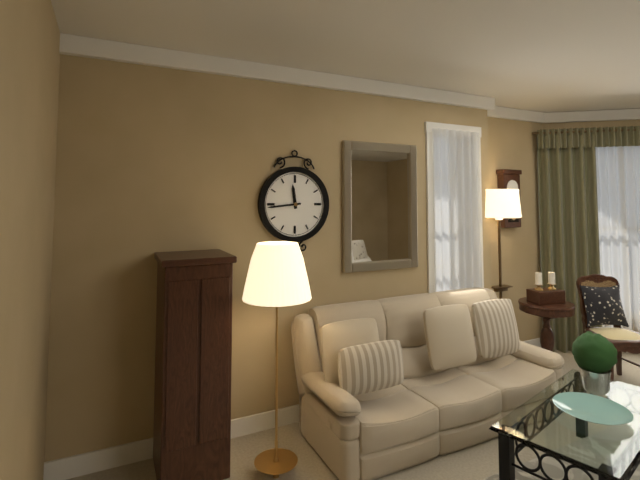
**11:44**
